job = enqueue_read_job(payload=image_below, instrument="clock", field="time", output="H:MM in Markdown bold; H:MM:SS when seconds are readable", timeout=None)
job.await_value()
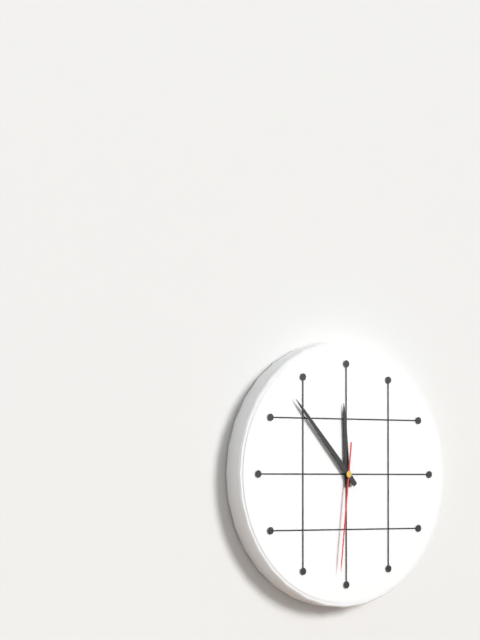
**11:53:31**
